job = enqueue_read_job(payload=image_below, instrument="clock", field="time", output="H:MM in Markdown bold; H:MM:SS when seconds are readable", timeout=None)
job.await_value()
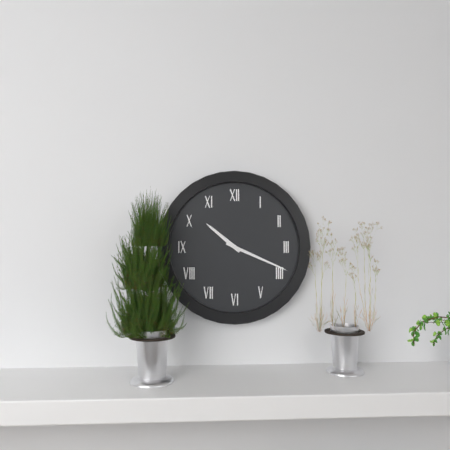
**10:19**
